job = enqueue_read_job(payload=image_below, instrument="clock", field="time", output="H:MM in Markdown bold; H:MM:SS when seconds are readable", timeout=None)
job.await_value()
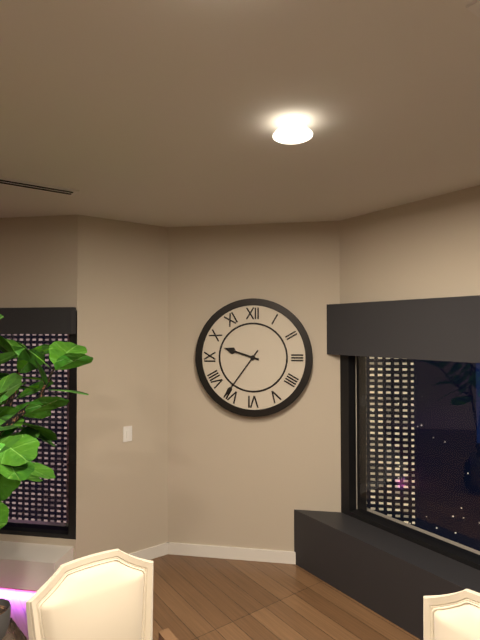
**9:36**
